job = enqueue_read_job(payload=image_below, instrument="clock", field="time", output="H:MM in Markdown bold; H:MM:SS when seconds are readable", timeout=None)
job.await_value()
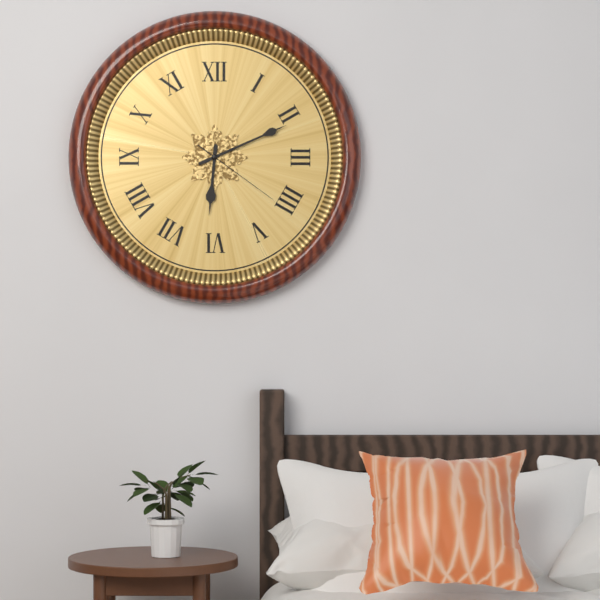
**6:11:21**
